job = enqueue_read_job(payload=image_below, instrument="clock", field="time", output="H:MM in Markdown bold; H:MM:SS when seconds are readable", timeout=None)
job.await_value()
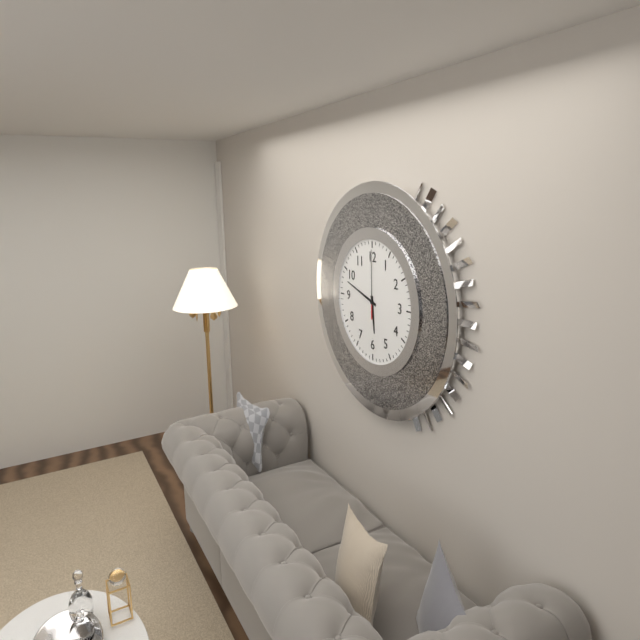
**5:48:00**
